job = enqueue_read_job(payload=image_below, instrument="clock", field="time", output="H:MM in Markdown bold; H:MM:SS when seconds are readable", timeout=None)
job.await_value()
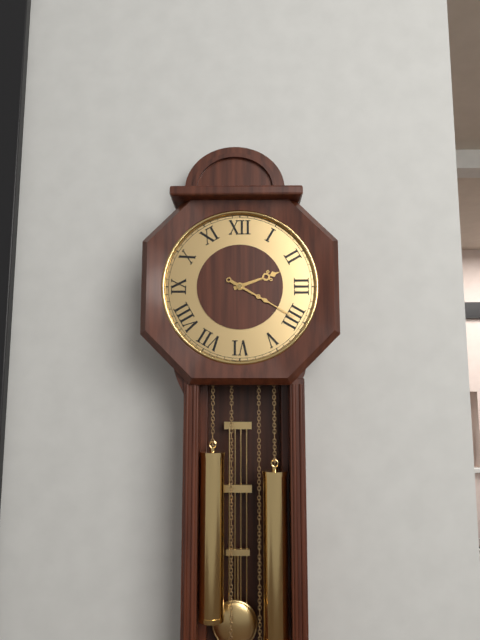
**2:20**
